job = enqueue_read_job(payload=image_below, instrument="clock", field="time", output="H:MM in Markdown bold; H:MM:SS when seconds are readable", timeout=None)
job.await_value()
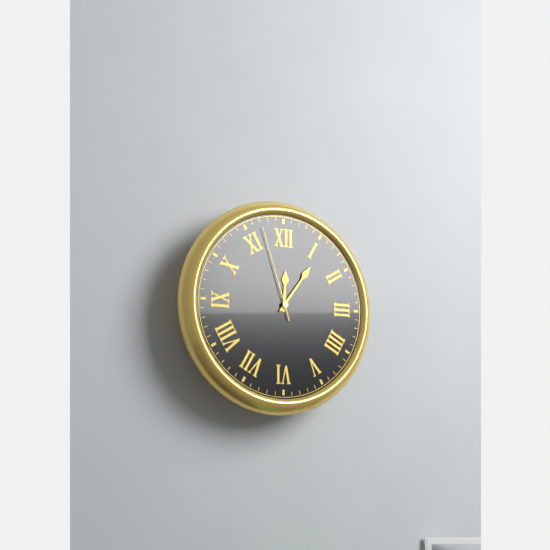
**12:06:57**
